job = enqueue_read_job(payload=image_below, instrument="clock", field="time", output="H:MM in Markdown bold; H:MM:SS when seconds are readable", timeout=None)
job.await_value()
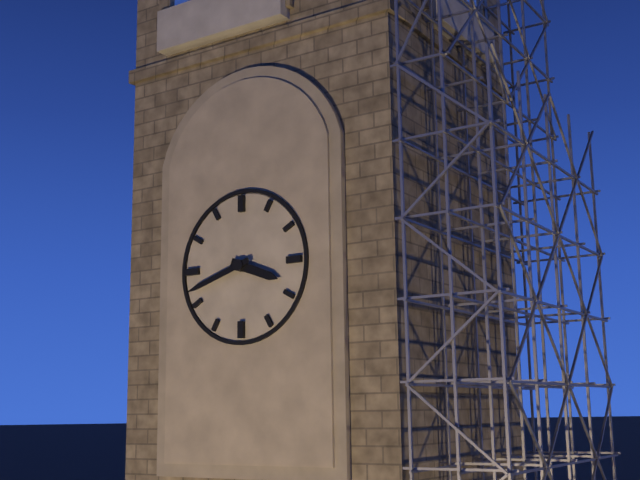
**3:42**
